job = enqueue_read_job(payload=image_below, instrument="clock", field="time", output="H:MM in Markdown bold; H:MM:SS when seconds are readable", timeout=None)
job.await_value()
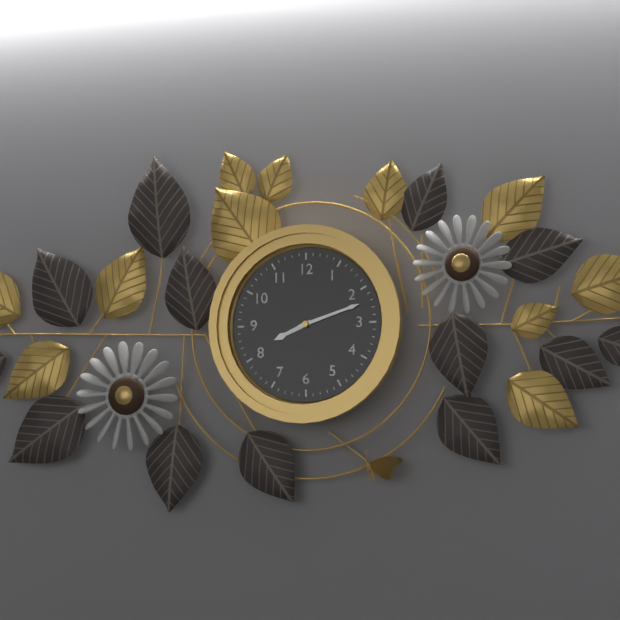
**8:12**
